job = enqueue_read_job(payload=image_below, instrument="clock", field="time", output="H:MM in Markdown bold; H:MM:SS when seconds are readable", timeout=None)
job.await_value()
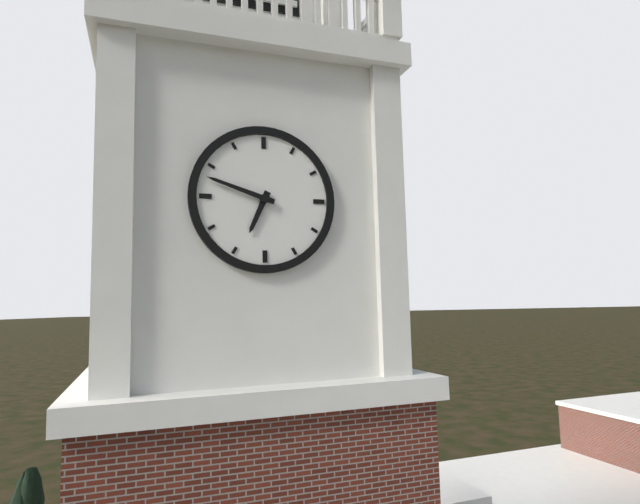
**6:48**
